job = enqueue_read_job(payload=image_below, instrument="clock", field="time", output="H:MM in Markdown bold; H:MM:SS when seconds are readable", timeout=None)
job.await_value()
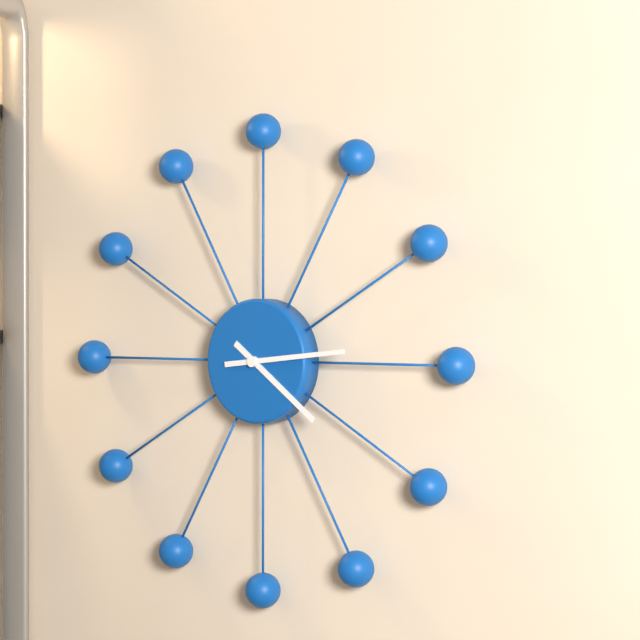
**4:14**
